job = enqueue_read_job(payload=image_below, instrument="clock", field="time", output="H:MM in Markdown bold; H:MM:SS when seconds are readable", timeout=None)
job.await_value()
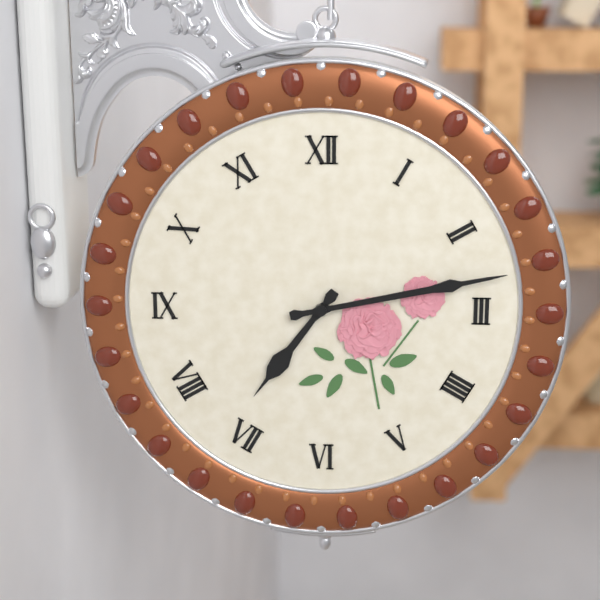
**7:13**
